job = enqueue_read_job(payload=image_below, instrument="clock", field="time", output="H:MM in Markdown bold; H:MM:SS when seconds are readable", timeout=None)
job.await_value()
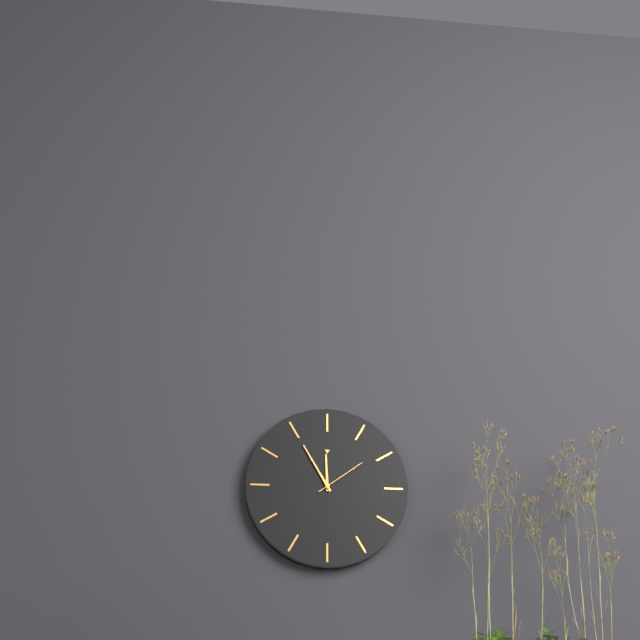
**11:55:09**
